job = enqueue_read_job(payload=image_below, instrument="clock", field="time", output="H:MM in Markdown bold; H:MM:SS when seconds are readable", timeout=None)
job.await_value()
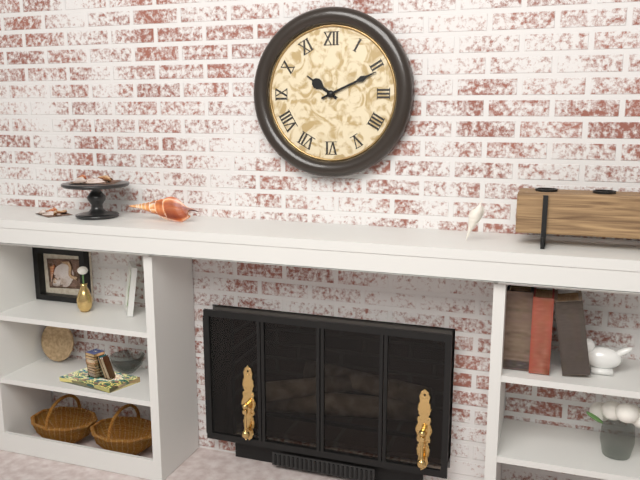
**10:11**
